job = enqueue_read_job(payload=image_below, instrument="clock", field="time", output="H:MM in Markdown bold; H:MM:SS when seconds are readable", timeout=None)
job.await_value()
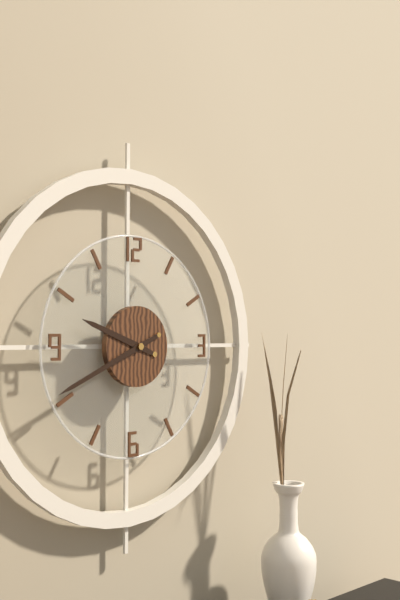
**9:41**
